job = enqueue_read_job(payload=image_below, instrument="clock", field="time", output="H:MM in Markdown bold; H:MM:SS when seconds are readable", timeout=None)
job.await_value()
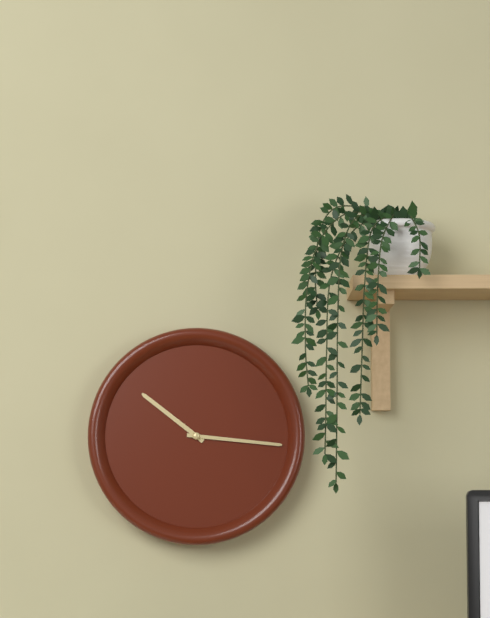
**10:16**
